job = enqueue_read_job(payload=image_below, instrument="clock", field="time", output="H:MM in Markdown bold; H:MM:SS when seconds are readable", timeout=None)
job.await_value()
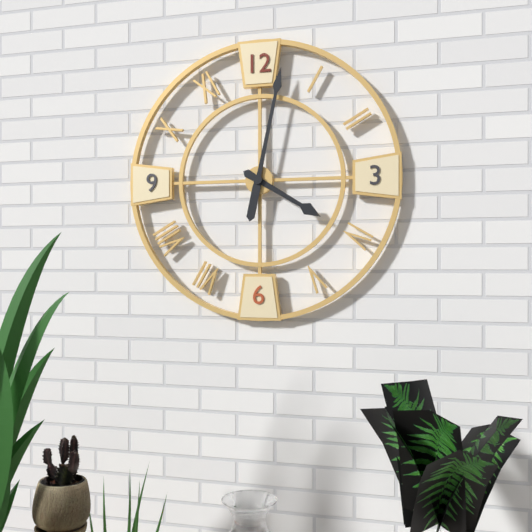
**4:02**
